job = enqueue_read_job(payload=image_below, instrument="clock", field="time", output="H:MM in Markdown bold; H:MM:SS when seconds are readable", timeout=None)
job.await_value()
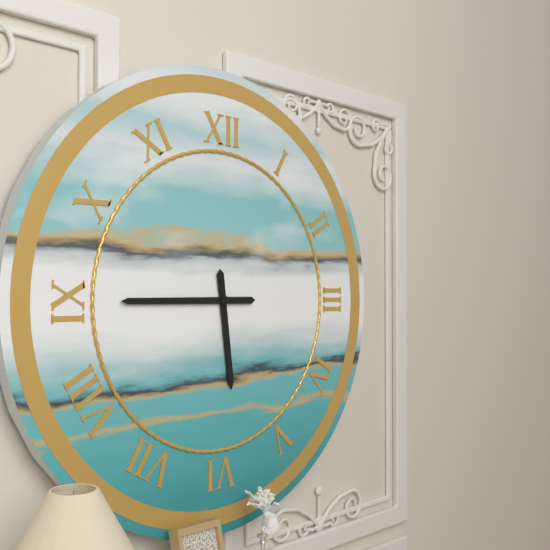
**5:45**
